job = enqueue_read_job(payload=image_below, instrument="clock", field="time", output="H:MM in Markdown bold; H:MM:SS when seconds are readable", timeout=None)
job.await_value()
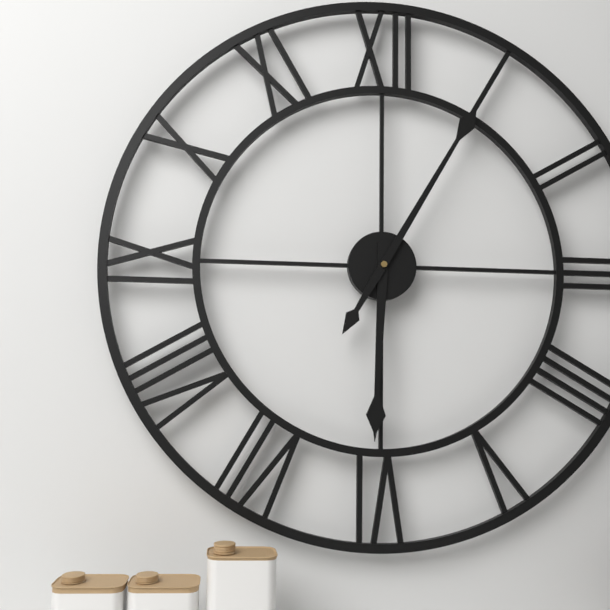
**6:05**
